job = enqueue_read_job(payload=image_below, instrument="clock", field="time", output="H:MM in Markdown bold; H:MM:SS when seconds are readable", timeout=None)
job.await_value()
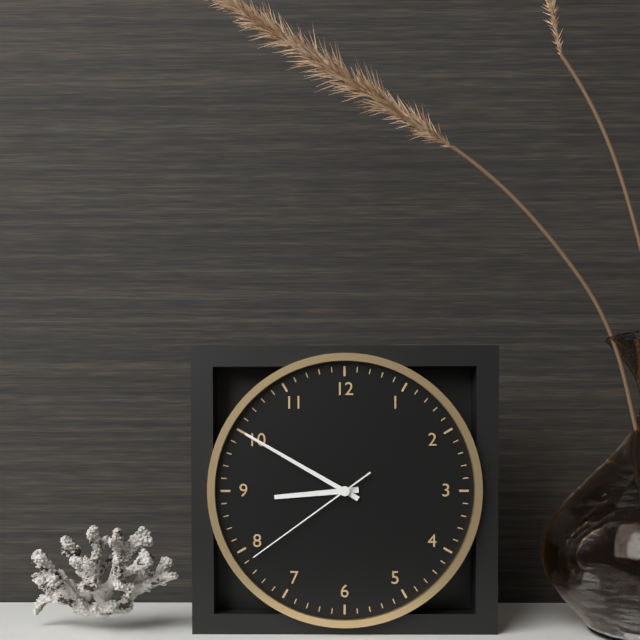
**8:50:39**
